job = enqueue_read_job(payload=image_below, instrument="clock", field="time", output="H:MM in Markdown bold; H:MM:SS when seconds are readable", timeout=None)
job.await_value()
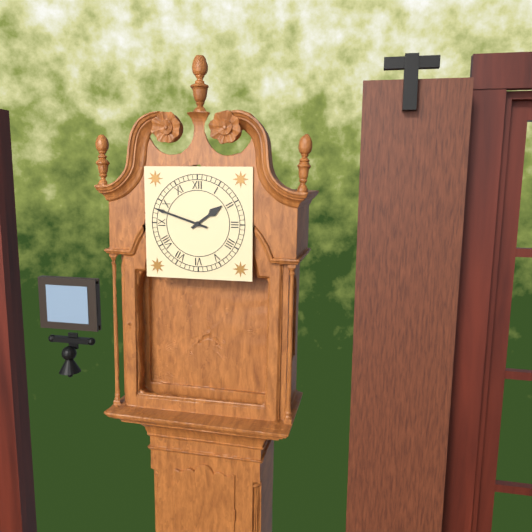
**1:48**
